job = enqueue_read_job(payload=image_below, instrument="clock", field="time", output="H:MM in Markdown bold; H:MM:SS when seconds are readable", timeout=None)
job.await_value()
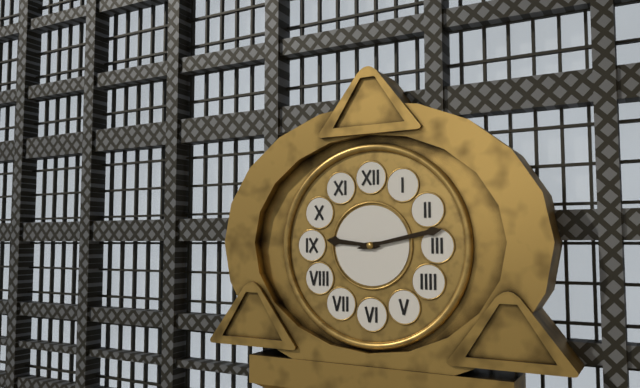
**9:13**
